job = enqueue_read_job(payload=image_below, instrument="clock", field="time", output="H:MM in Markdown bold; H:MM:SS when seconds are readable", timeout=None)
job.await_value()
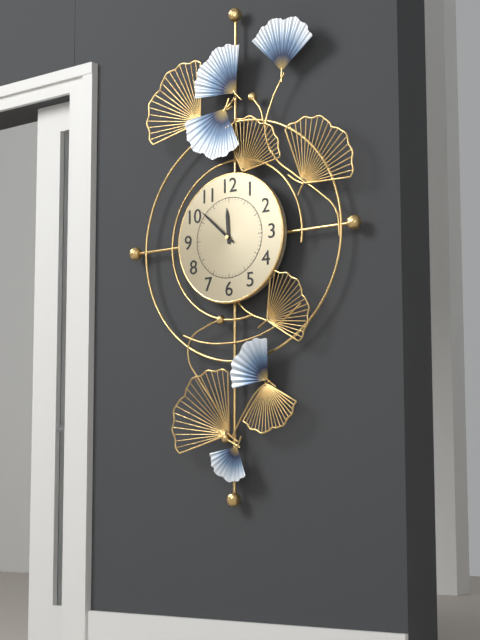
**11:52**
